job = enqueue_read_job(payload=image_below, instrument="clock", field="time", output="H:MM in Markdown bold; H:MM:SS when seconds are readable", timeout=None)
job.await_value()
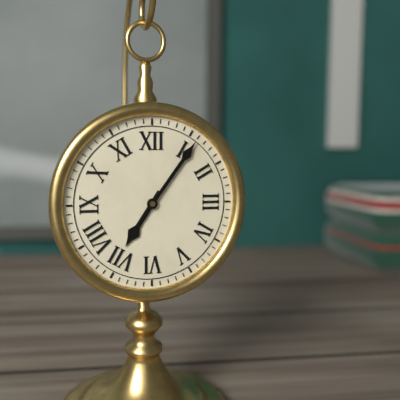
**7:06**
